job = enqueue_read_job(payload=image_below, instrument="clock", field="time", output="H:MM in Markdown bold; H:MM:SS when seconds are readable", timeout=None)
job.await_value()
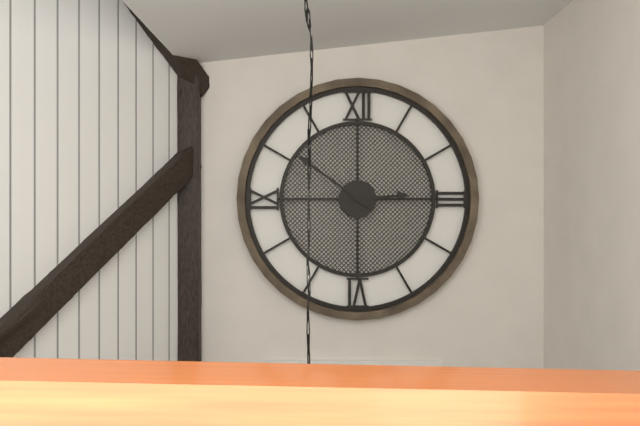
**2:51**
